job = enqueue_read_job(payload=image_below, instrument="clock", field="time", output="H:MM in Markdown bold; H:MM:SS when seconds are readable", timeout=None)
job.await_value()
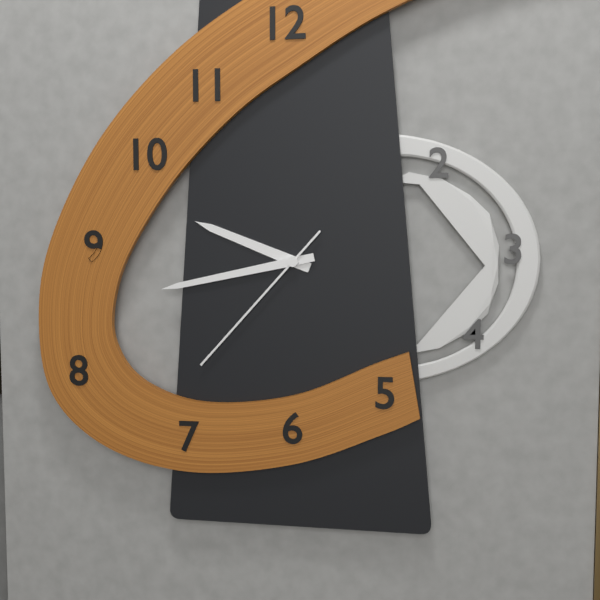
**9:43:37**
